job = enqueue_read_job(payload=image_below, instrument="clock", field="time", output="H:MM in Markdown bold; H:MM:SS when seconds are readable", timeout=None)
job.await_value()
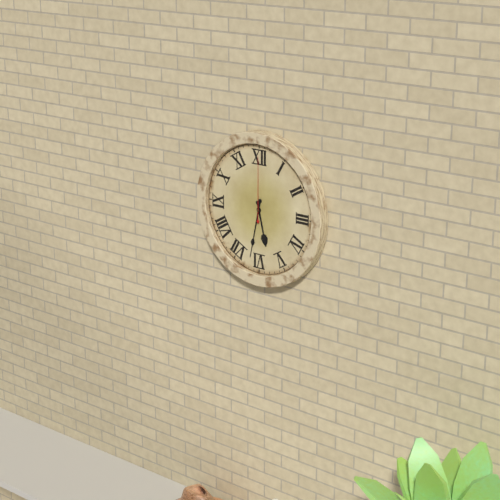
**5:32:00**
